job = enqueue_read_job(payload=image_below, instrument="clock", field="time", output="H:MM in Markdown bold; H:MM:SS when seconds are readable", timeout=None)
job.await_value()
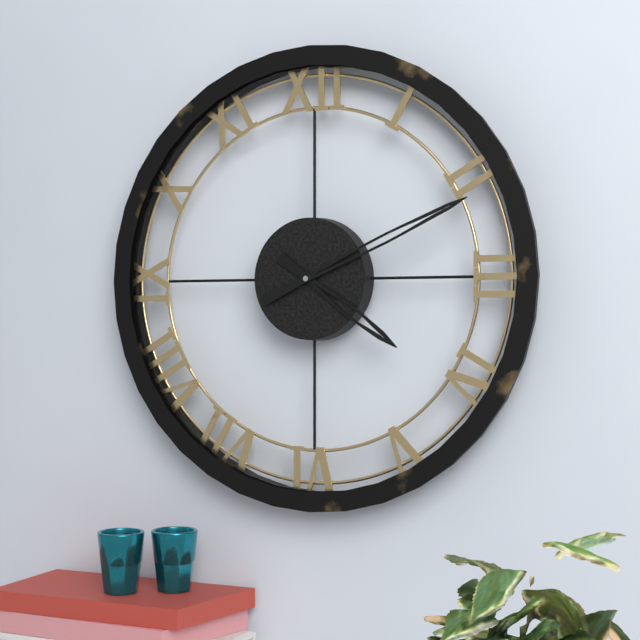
**4:11**
